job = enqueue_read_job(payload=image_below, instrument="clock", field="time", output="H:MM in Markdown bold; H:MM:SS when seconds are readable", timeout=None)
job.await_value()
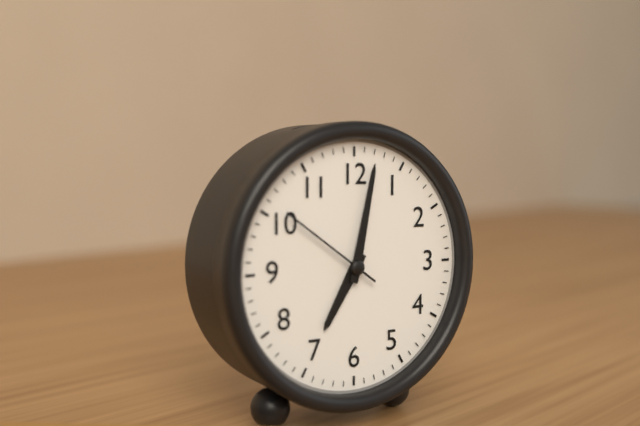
**7:02:51**
